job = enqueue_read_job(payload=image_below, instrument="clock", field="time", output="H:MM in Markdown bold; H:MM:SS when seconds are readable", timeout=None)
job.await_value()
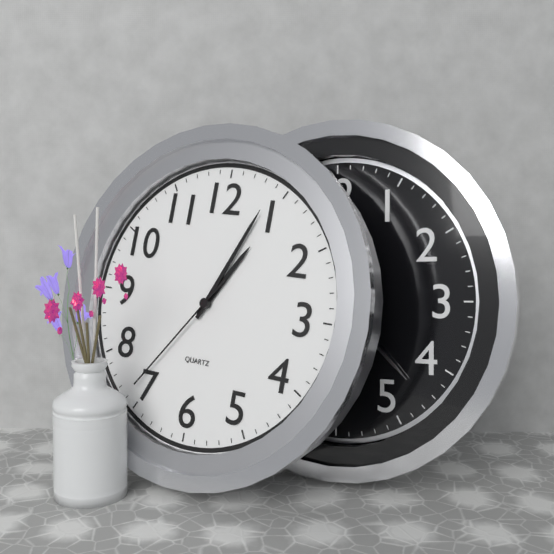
**1:04:36**
